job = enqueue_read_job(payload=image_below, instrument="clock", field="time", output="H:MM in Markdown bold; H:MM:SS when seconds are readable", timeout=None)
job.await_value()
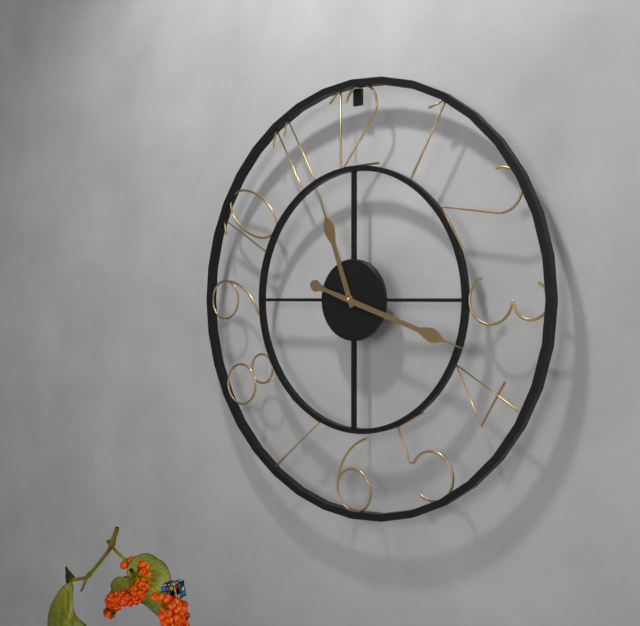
**11:18**
